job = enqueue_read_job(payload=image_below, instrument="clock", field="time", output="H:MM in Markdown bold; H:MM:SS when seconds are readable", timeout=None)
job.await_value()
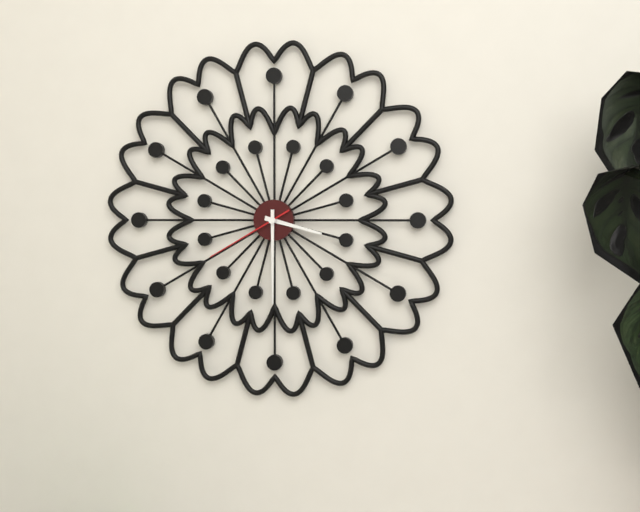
**3:30:40**
